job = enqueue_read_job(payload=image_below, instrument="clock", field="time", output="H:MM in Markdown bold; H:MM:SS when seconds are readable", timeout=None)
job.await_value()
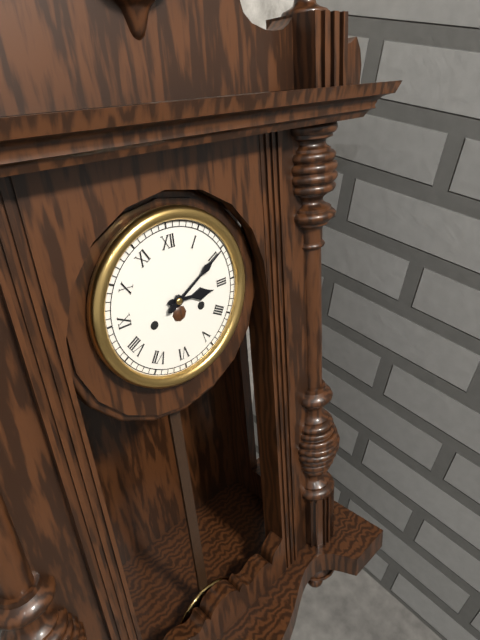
**3:10**
